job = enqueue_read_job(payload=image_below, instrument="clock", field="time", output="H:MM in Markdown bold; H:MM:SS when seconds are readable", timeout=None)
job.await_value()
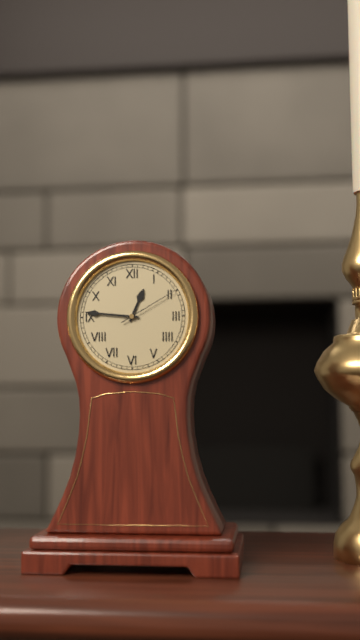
**12:46:10**
